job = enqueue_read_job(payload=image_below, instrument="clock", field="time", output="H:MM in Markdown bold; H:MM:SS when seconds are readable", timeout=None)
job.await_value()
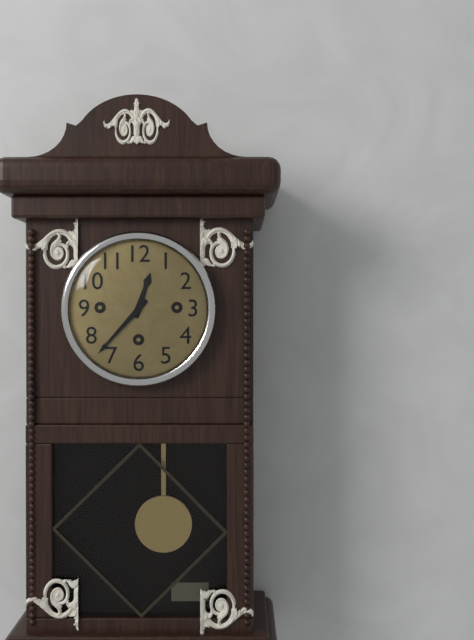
**12:37**
